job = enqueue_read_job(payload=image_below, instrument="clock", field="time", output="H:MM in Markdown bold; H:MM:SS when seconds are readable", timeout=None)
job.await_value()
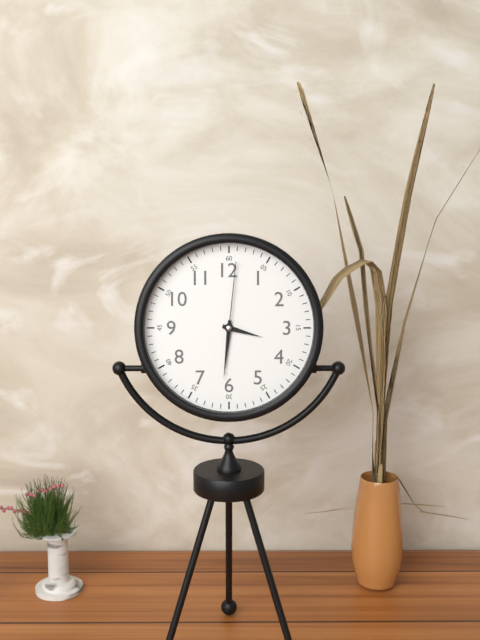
**3:31:01**
